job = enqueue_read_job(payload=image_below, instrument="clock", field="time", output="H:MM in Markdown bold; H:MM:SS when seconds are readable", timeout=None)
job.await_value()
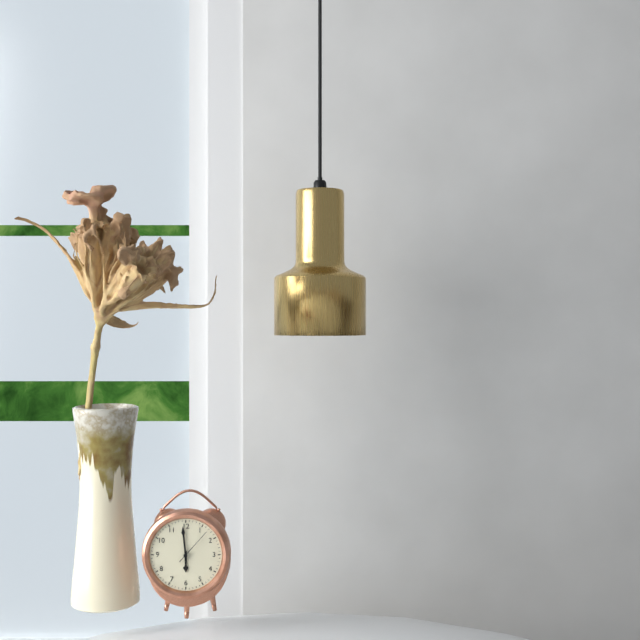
**5:59**
